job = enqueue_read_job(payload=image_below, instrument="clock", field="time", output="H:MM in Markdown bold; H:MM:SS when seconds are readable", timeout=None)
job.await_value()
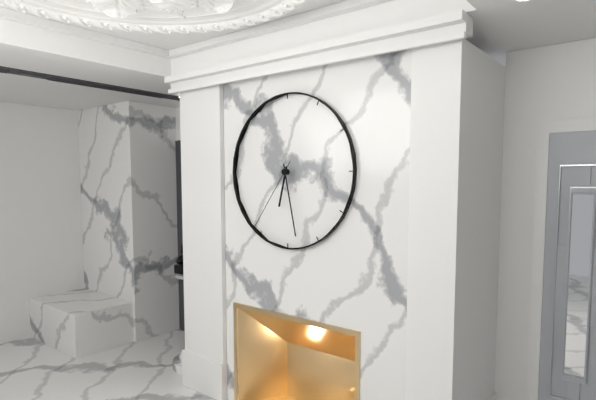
**6:28:36**
